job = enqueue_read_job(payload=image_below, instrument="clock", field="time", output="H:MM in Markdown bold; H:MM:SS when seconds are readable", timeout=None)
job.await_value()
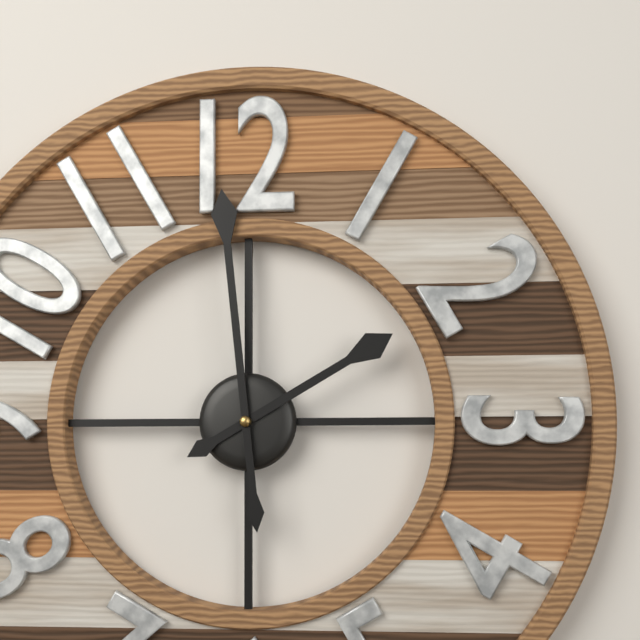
**1:59**
